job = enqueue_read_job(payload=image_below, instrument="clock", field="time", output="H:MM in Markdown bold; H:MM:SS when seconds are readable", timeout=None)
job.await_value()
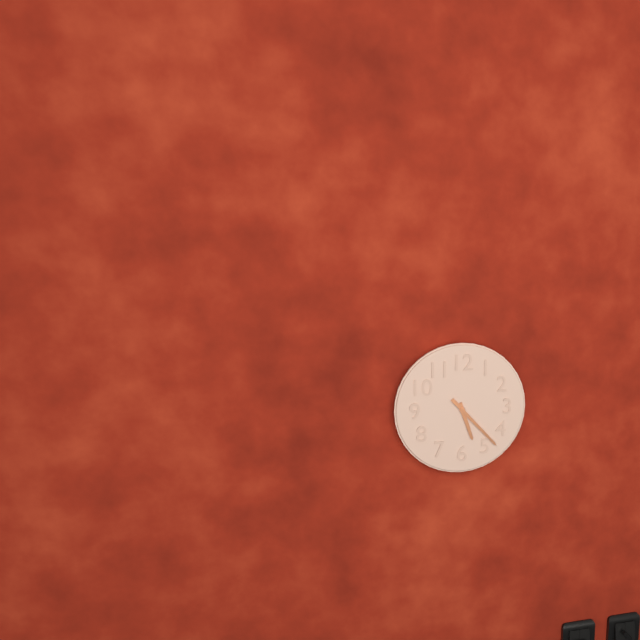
**5:23**
